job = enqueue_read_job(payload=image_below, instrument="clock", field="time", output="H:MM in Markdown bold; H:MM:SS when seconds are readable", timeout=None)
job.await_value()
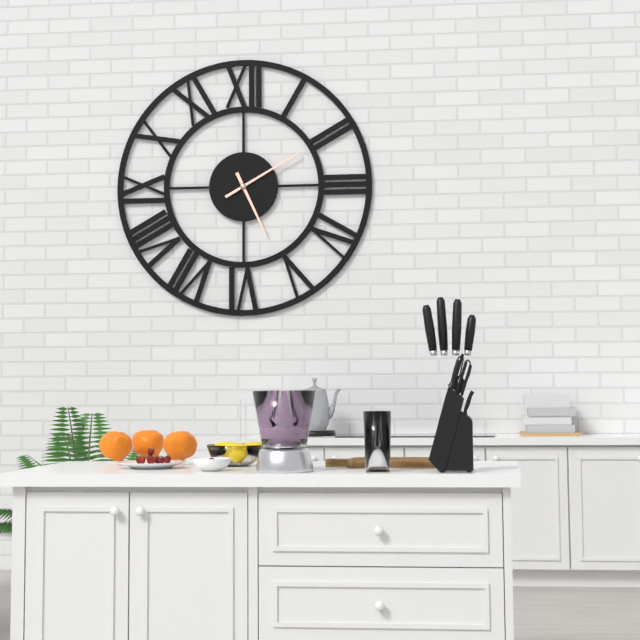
**5:10**
